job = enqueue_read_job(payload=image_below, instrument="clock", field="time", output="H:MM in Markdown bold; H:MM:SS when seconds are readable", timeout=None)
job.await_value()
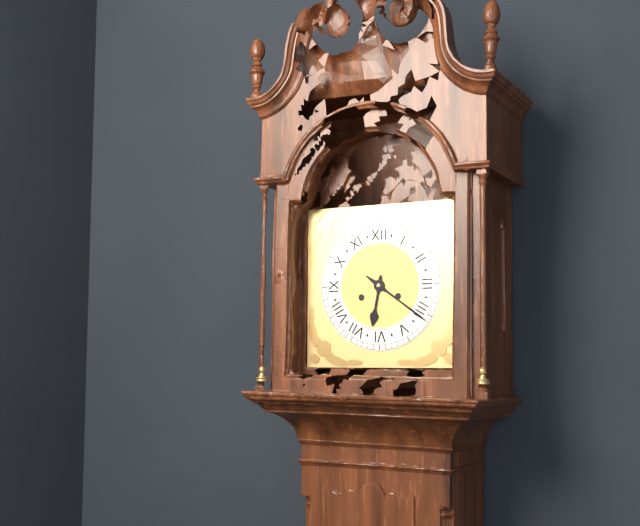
**6:21**
